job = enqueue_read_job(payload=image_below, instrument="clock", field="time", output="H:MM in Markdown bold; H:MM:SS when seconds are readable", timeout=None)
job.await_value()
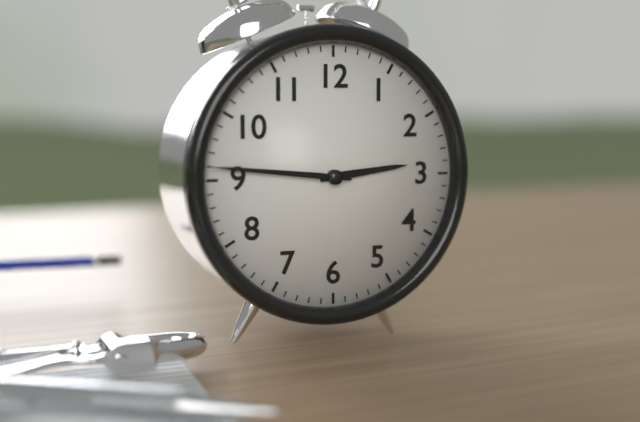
**2:46**
